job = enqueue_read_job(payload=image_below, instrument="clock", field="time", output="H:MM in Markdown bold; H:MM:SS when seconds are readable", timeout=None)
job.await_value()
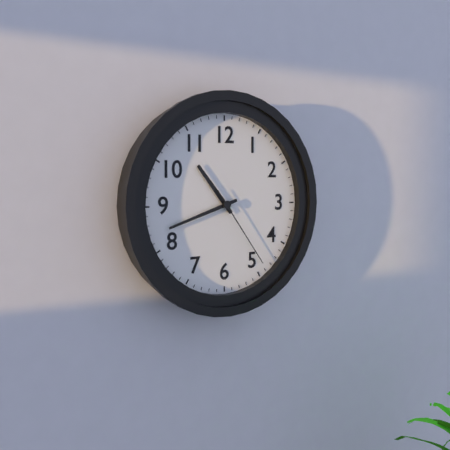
**10:42:24**
